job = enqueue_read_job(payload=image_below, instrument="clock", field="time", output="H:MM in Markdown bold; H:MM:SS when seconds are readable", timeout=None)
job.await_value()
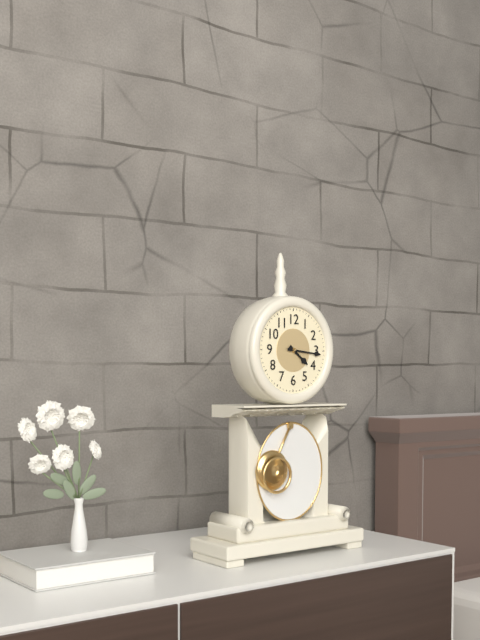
**4:16**
